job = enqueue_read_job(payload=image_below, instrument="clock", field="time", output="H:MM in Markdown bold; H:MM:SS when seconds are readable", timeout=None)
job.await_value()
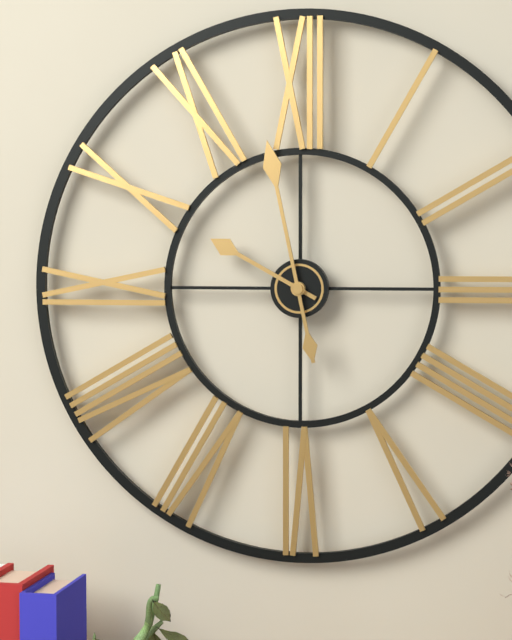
**9:58**
